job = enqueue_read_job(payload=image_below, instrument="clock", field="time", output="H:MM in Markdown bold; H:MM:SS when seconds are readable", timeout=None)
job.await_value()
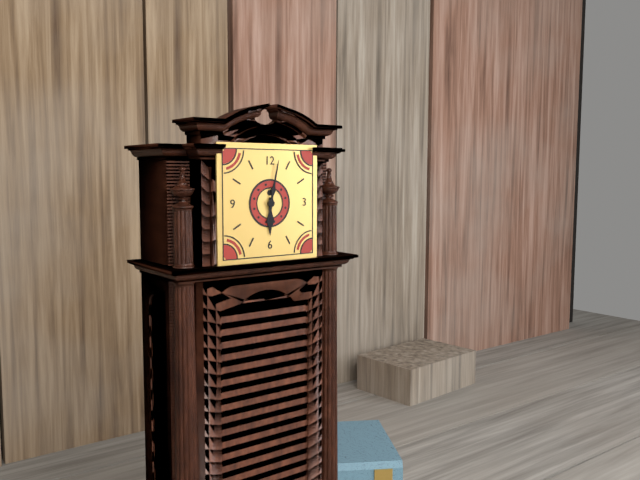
**6:02**
